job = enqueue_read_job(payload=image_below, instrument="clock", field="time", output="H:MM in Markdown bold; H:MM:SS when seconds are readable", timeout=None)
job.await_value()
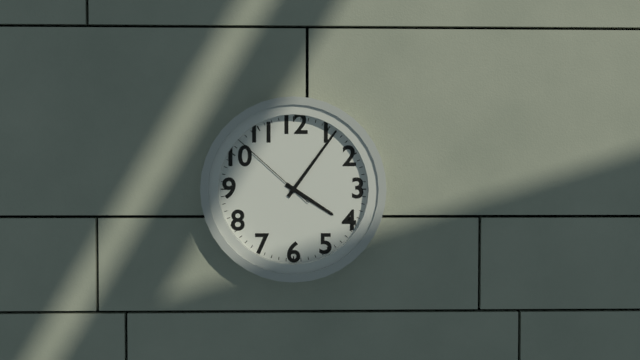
**4:06:52**
